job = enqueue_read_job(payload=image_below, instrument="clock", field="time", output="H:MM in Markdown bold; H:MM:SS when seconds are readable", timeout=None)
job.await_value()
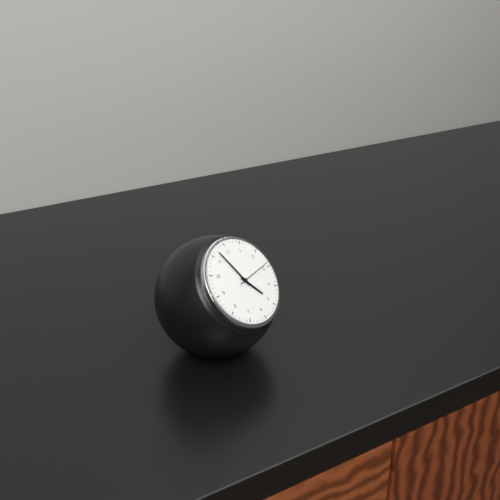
**4:57**
